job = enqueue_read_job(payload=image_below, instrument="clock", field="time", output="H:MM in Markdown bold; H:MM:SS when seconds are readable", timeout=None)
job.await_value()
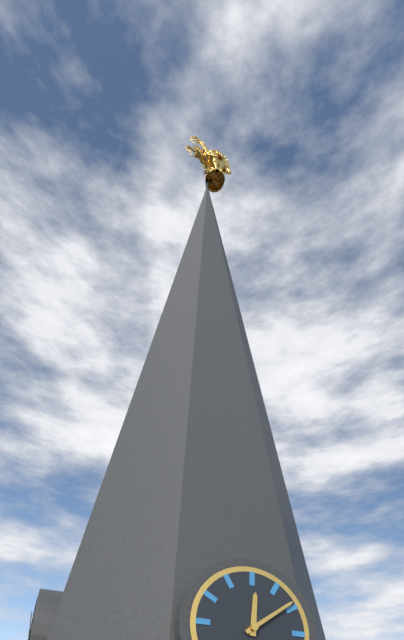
**12:09**
